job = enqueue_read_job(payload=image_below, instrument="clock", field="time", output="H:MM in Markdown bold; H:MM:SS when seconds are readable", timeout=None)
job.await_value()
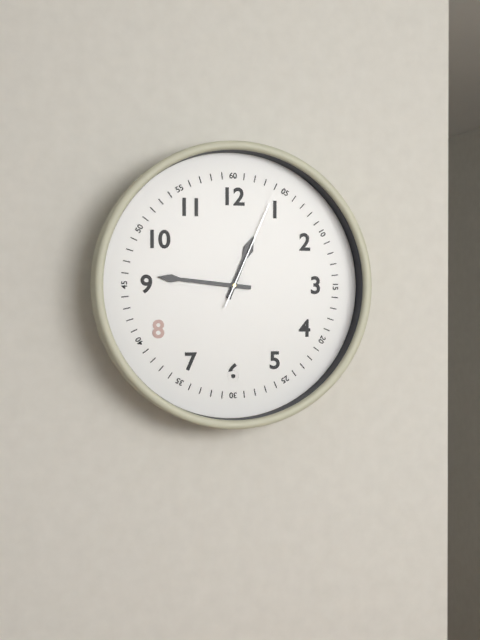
**12:46:04**
